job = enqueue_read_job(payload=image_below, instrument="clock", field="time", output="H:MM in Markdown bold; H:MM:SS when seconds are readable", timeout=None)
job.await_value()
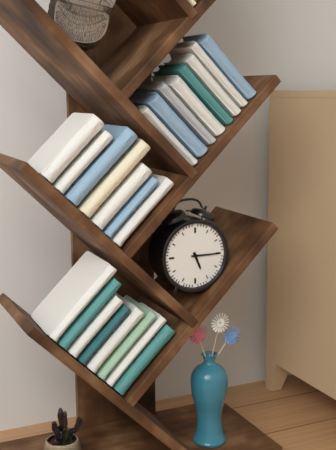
**5:15**
